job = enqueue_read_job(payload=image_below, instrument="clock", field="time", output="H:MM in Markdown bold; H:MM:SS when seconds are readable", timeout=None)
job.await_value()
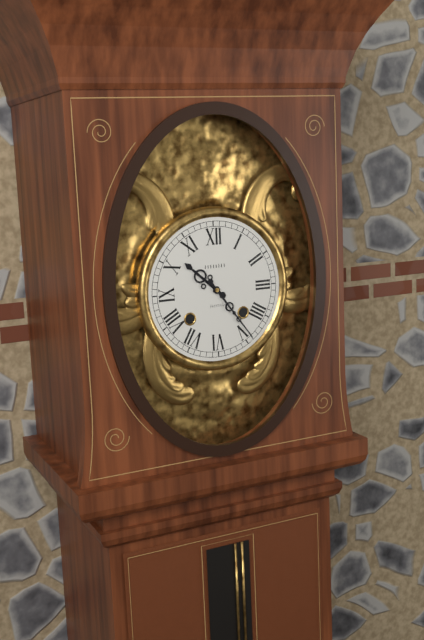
**10:24**
